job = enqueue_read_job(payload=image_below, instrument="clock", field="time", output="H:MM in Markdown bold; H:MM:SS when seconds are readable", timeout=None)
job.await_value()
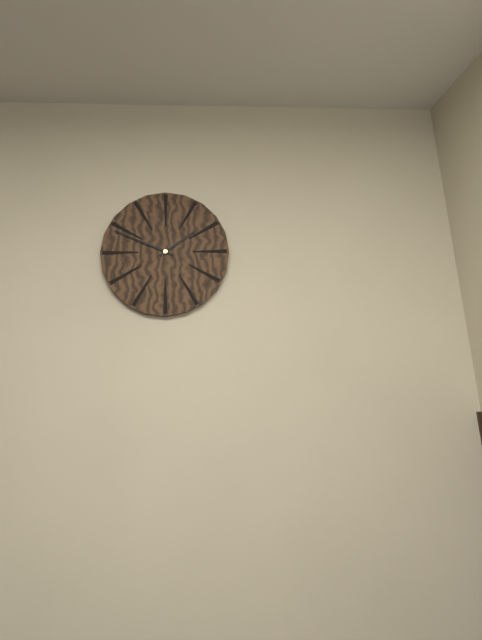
**1:49**
